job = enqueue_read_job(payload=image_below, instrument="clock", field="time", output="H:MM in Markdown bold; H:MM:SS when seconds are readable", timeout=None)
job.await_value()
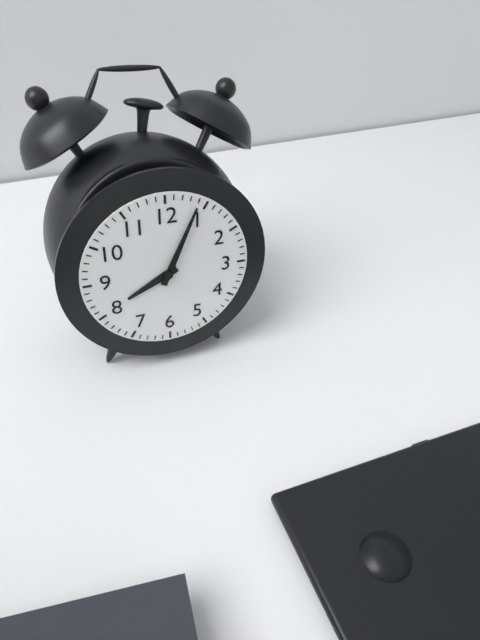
**8:04**
